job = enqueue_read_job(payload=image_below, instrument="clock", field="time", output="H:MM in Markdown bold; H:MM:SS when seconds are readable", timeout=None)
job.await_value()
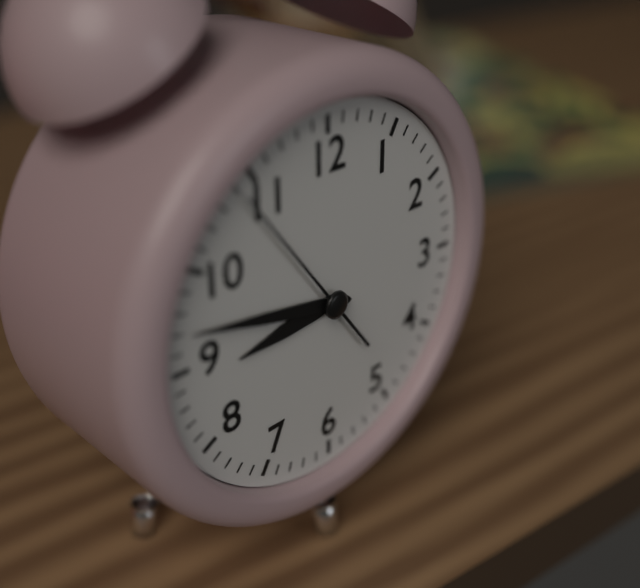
**8:47:54**
